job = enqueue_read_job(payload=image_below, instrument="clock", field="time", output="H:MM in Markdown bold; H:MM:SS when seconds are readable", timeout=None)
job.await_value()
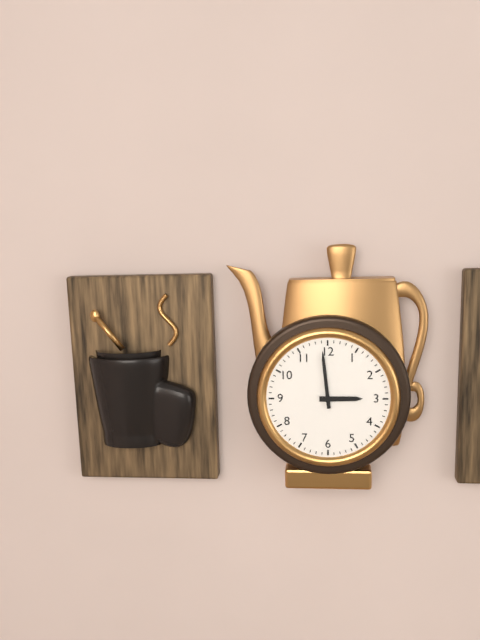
**2:59**
